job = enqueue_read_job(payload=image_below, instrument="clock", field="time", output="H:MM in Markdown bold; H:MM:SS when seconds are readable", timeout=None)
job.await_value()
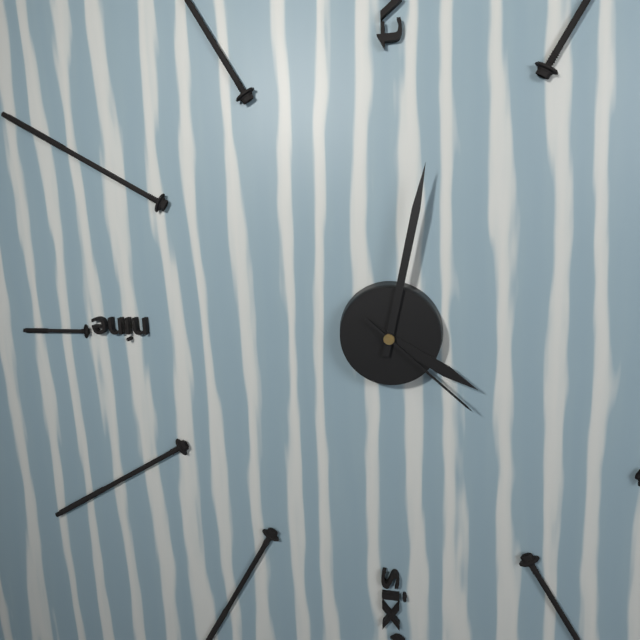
**4:02:22**
